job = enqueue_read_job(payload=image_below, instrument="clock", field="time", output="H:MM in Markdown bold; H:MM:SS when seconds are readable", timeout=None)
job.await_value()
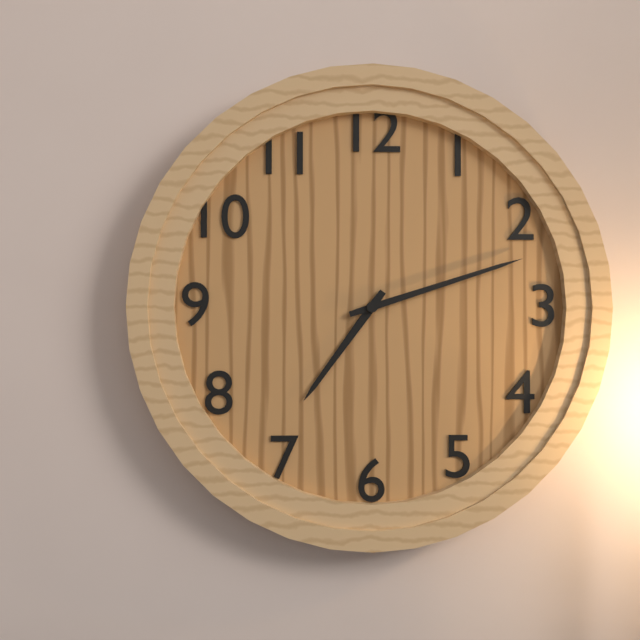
**7:12**
